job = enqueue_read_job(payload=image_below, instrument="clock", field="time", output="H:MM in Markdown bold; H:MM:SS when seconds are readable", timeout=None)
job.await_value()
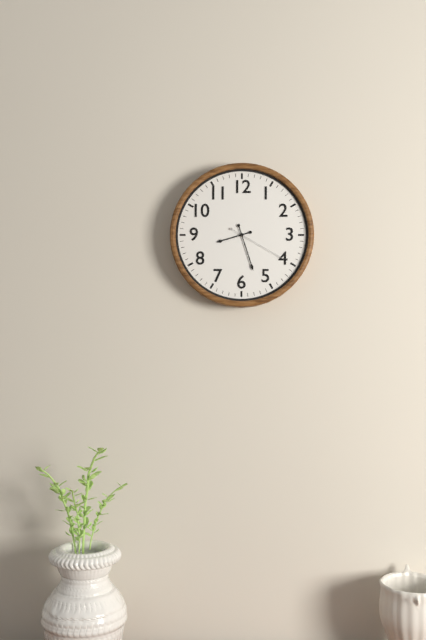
**8:27:20**
